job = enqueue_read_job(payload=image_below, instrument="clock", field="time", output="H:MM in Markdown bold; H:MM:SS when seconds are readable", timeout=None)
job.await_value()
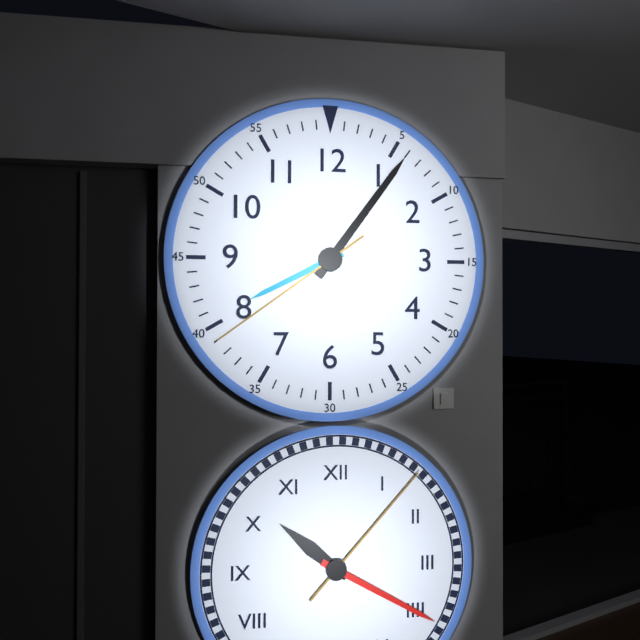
**8:06:39**
